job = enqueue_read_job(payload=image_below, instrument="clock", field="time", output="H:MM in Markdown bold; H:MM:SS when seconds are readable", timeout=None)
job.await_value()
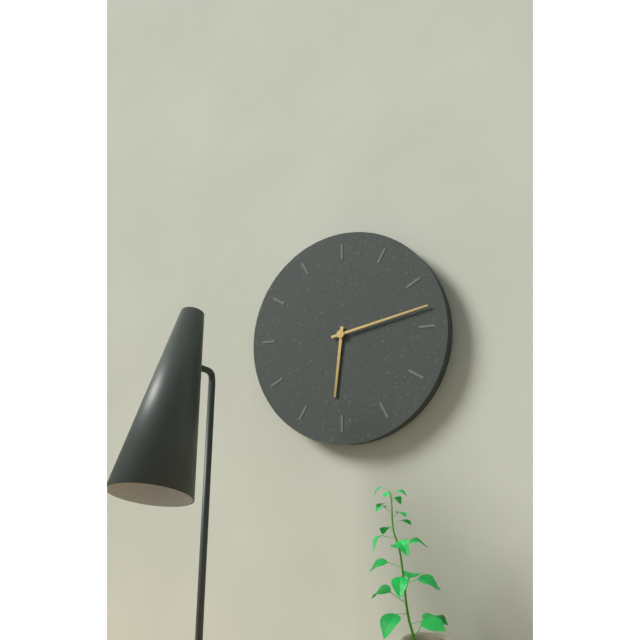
**6:13**
